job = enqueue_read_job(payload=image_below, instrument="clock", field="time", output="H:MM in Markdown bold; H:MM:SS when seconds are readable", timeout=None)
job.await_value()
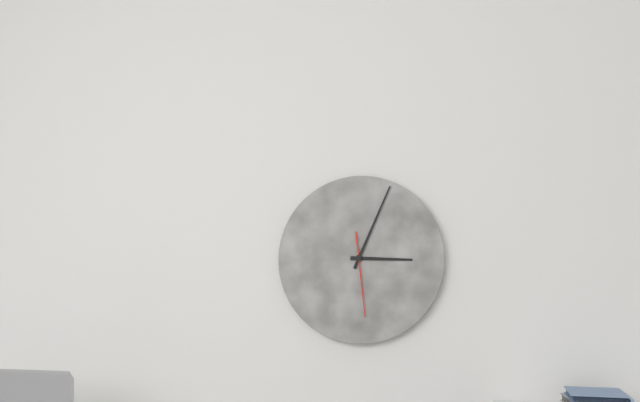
**3:04:29**
